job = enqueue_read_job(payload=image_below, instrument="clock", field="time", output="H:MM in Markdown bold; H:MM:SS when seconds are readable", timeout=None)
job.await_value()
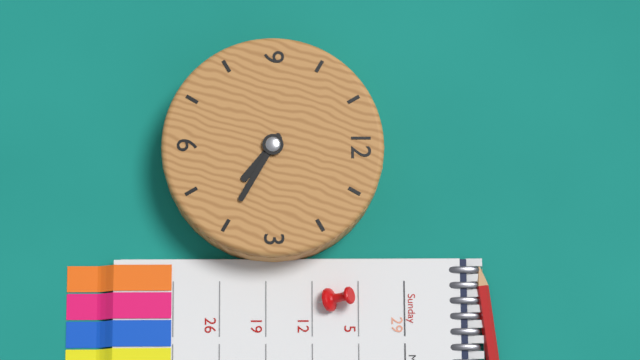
**4:20**
